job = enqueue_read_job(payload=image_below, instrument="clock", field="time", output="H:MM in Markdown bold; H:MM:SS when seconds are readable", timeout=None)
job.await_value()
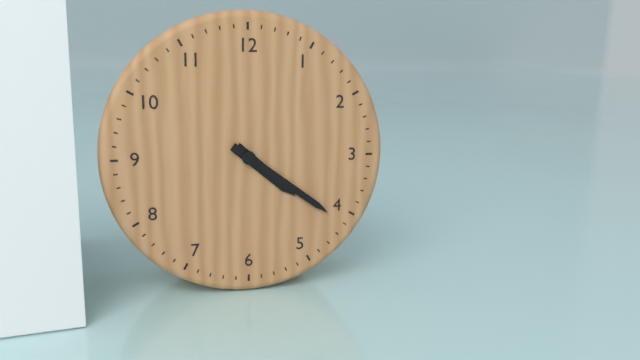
**4:21**
